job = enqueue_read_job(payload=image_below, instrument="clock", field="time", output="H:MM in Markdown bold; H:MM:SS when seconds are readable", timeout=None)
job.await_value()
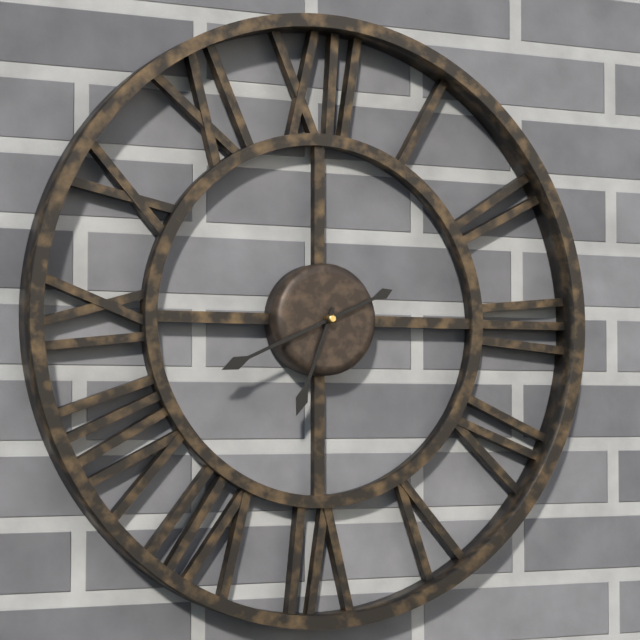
**6:41**
